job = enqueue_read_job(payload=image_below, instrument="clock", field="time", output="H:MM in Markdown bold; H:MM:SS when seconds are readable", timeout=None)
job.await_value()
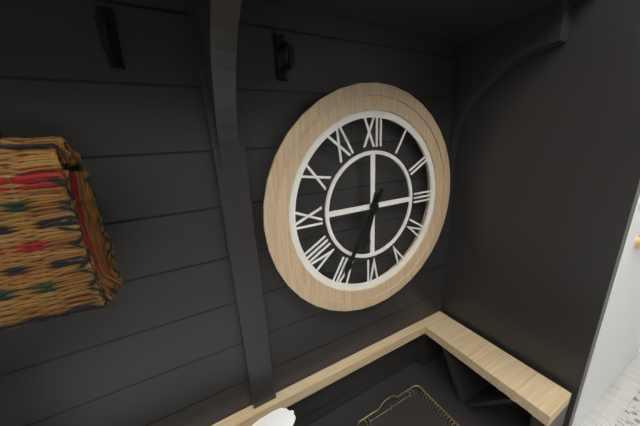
**6:35**
